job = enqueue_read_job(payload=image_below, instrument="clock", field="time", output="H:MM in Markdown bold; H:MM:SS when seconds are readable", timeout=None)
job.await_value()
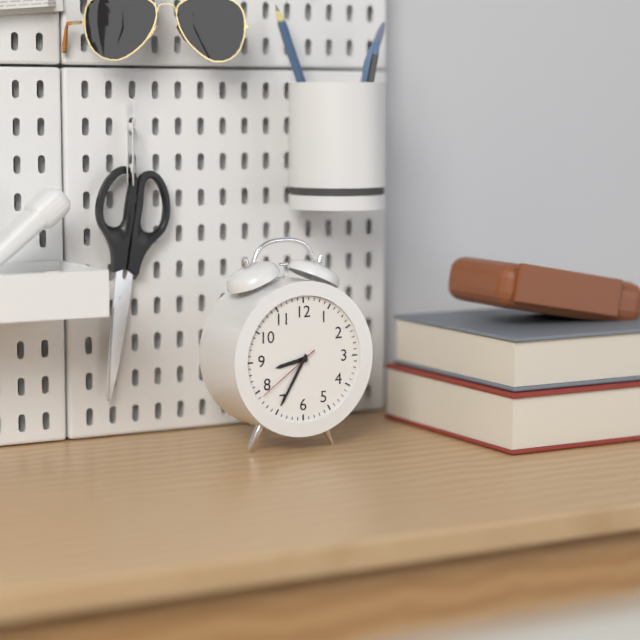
**8:35:39**
